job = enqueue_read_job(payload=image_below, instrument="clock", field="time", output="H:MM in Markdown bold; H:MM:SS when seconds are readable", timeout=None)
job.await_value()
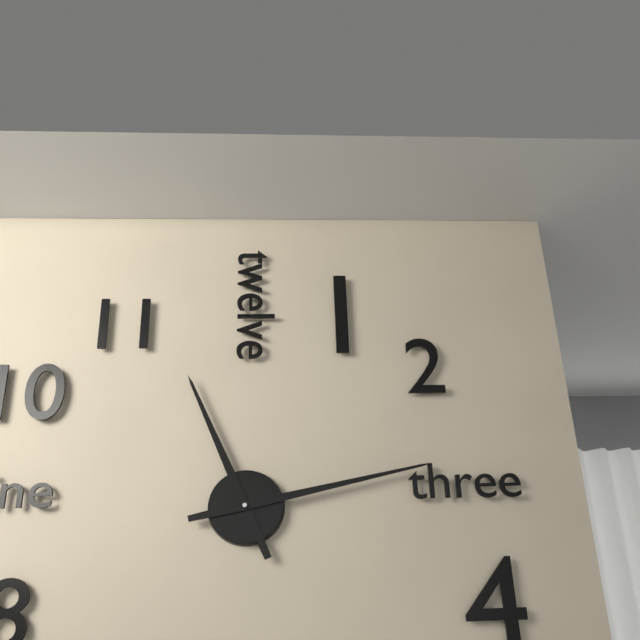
**11:13**
